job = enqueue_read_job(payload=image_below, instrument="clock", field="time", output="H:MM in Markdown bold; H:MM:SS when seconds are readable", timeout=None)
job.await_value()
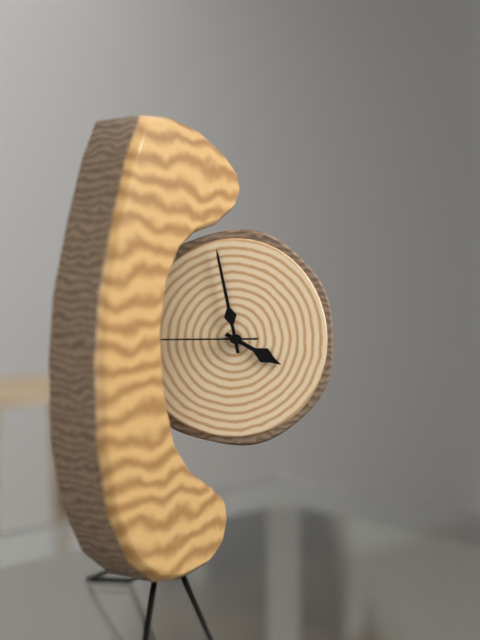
**3:58:45**
